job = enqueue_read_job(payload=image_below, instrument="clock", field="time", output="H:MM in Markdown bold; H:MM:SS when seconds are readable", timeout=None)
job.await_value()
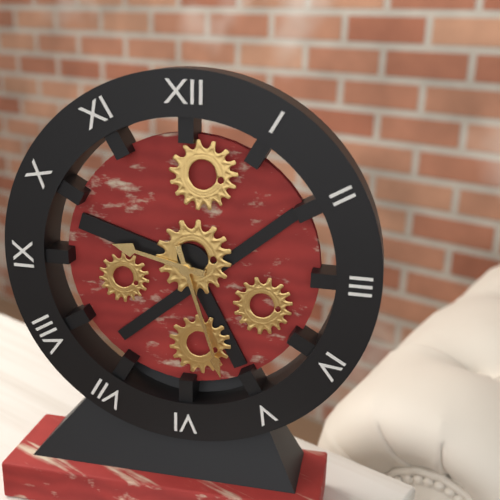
**9:27**
